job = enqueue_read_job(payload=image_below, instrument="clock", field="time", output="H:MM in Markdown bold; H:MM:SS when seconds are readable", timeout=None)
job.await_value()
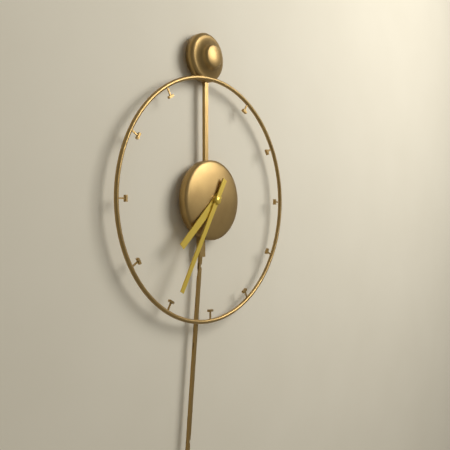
**7:35**
